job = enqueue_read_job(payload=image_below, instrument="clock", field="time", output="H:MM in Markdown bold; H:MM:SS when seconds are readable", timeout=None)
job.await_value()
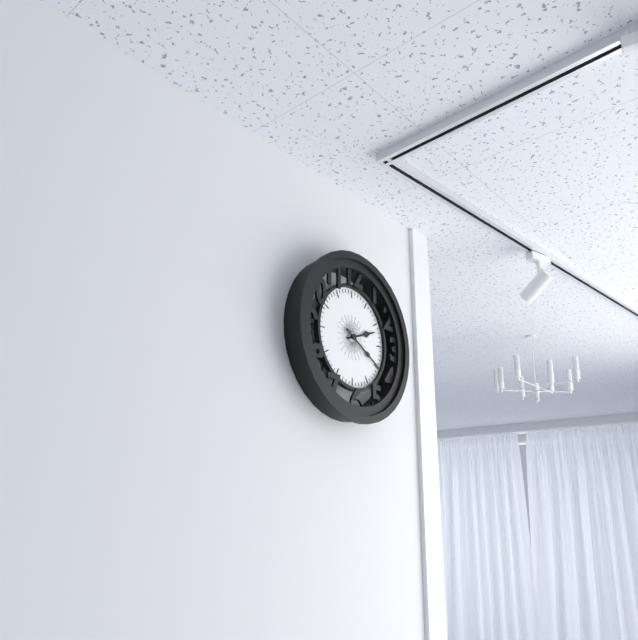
**2:20**
